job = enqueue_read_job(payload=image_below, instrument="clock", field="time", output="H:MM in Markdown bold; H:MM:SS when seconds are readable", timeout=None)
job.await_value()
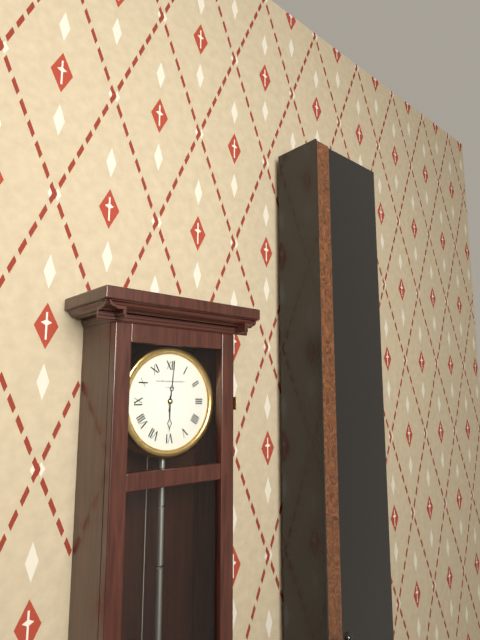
**6:01**
